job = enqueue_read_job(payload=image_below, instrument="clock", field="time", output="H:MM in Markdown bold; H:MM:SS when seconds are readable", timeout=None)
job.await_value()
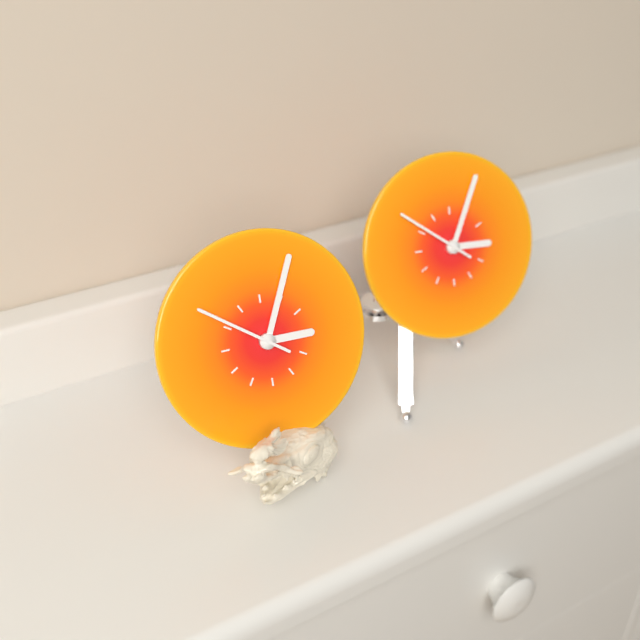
**3:04:51**
